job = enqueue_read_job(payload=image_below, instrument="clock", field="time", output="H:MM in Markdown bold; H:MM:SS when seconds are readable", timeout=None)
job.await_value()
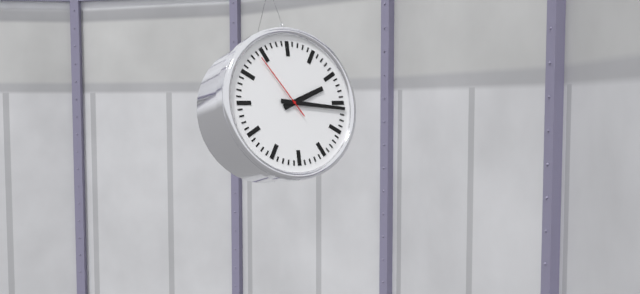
**2:16:54**
